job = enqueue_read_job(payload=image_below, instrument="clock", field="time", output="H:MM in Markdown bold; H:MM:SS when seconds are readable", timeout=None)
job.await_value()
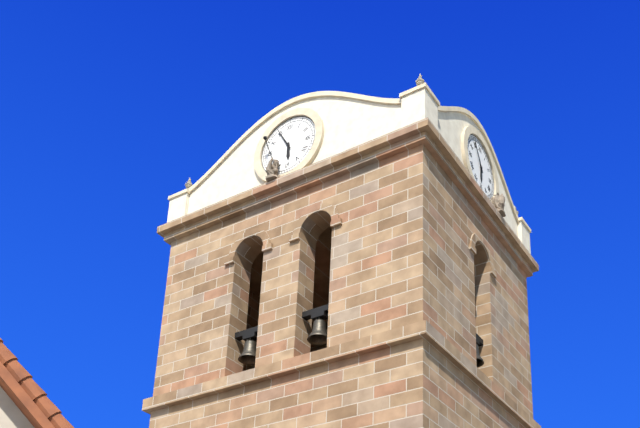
**5:55**
